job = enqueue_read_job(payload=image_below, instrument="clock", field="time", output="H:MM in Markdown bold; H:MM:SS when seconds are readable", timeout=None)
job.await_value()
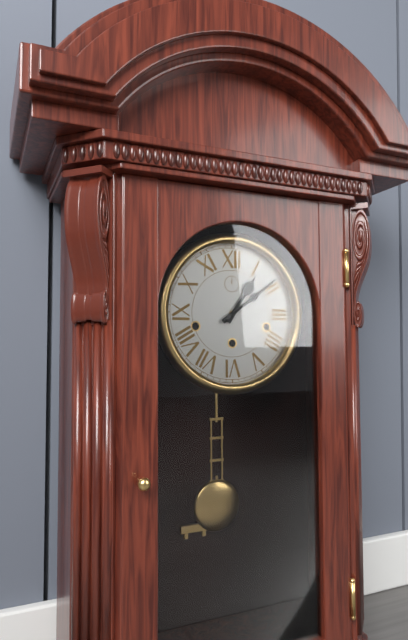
**1:09**
